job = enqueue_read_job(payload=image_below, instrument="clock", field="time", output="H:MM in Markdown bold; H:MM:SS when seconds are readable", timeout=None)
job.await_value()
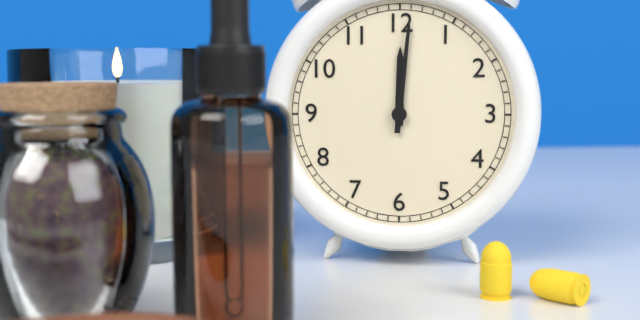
**12:01**
